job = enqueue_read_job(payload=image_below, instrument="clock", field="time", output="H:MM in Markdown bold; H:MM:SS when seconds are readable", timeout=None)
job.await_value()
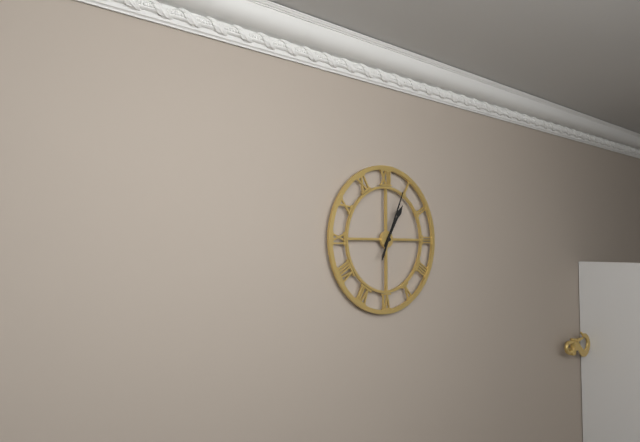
**1:04**
